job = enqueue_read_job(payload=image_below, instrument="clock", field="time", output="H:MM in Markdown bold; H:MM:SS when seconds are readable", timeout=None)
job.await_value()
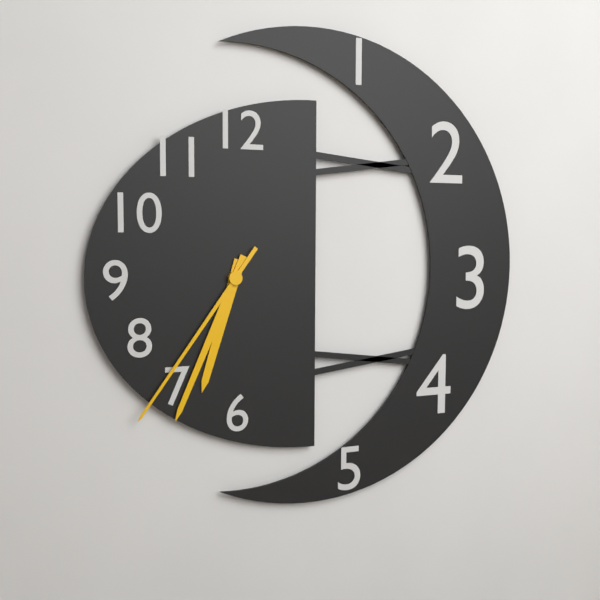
**6:34:36**
